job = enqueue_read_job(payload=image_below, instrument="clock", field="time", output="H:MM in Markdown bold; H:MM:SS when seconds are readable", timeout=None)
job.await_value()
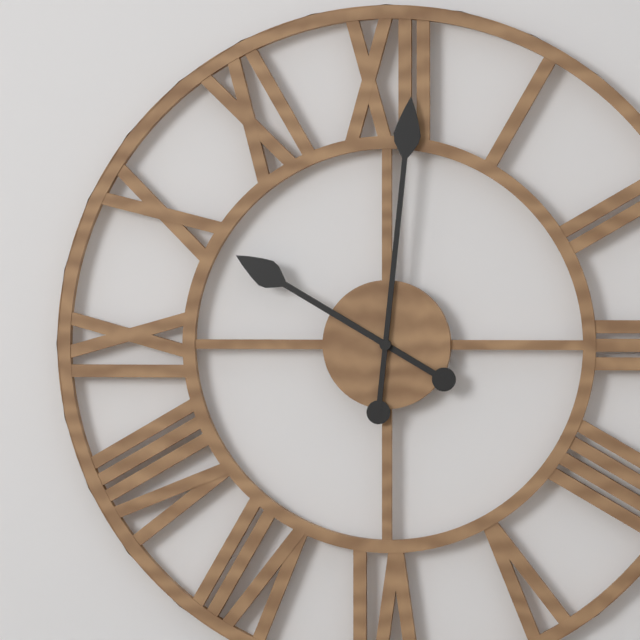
**10:01**
